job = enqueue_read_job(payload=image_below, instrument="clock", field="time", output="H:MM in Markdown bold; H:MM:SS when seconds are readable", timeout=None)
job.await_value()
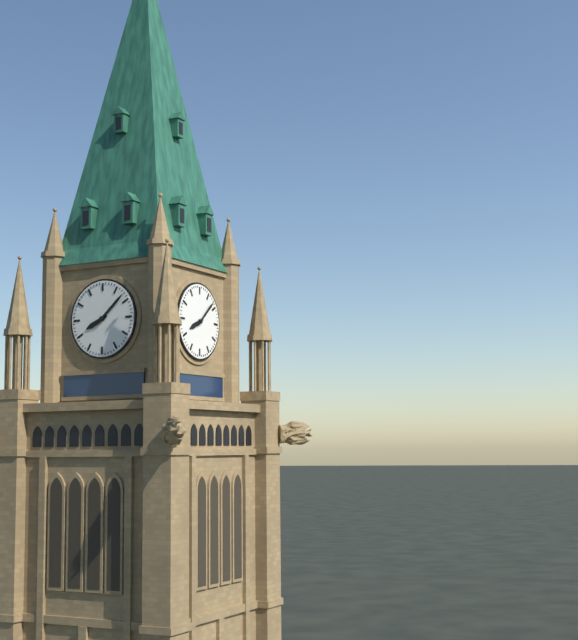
**8:08**
